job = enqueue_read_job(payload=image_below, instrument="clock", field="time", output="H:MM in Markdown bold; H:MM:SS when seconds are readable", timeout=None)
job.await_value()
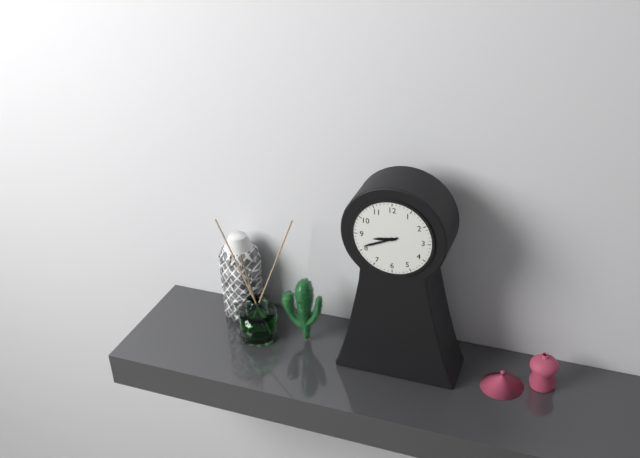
**8:41**
